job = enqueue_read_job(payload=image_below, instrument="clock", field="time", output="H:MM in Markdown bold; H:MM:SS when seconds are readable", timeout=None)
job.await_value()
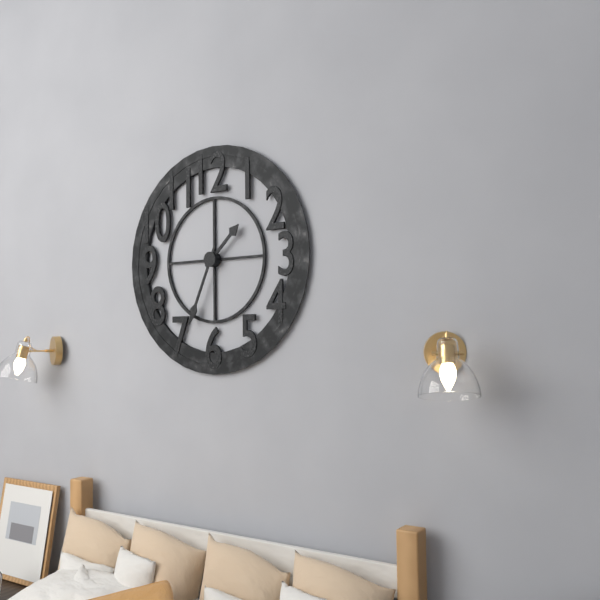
**1:34**
